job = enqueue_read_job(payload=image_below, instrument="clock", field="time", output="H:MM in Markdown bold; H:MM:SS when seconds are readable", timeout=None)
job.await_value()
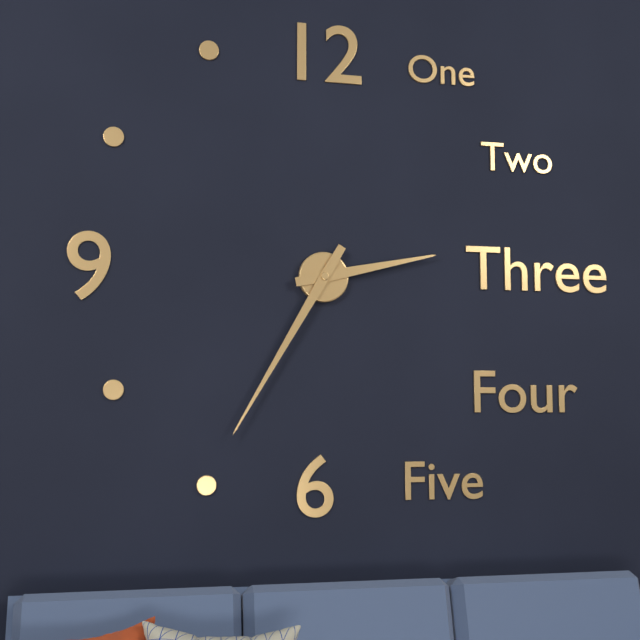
**2:35**
